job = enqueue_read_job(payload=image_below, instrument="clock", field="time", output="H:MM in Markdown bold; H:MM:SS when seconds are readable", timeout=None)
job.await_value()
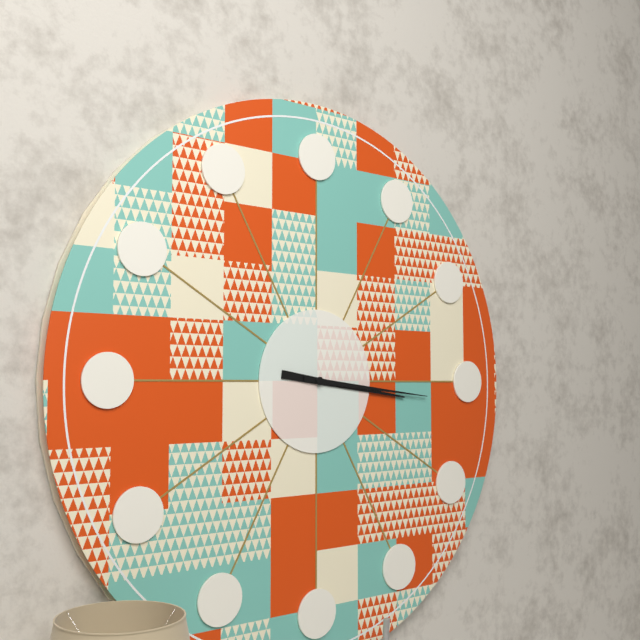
**3:16**
